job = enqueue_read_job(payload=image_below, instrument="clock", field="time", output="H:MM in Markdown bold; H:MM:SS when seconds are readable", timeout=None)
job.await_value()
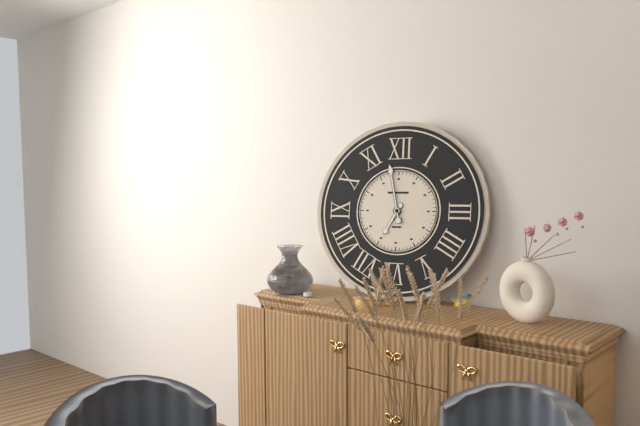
**6:58**
